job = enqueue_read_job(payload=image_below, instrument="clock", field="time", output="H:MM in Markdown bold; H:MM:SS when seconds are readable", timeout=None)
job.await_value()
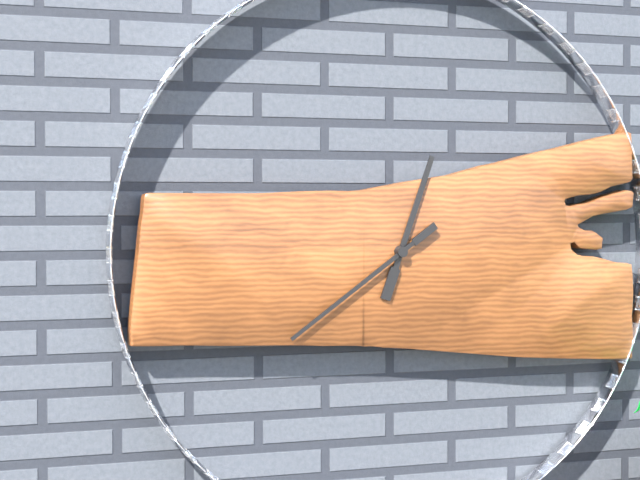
**12:39**
